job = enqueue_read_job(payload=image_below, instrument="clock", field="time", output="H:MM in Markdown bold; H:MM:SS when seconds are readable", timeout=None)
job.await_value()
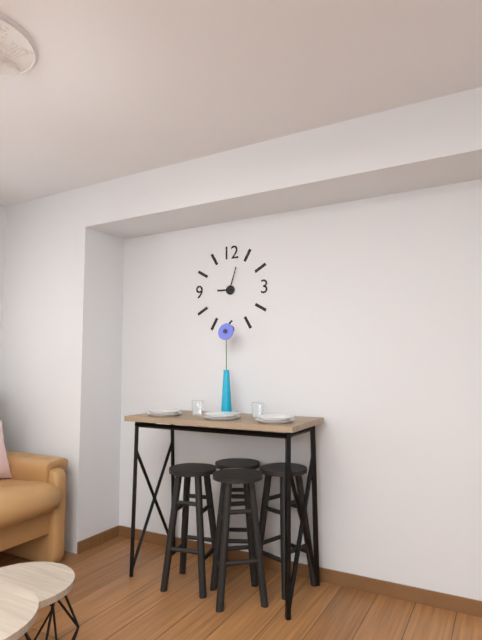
**9:03**
